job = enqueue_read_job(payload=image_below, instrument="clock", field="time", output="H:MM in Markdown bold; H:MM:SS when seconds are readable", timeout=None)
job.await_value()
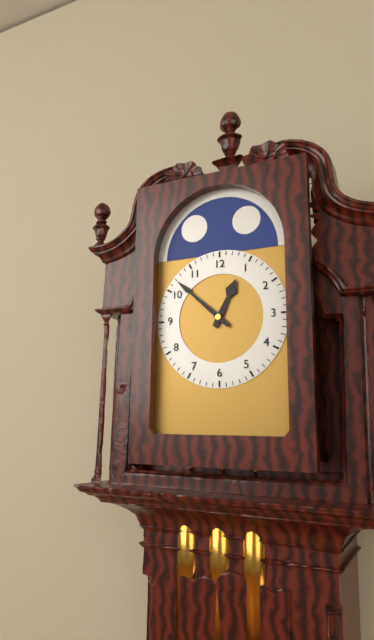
**12:52**
